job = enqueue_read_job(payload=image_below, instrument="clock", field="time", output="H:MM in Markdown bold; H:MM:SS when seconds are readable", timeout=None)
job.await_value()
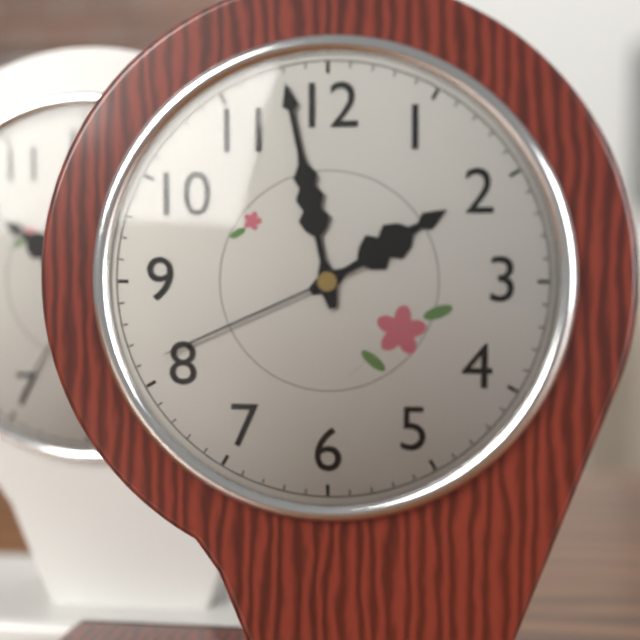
**1:58:41**
